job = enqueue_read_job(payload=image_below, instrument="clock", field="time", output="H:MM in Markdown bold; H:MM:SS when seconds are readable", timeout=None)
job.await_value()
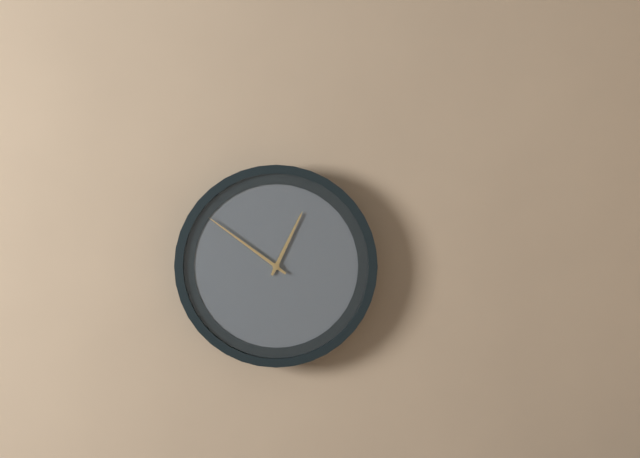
**12:51**
